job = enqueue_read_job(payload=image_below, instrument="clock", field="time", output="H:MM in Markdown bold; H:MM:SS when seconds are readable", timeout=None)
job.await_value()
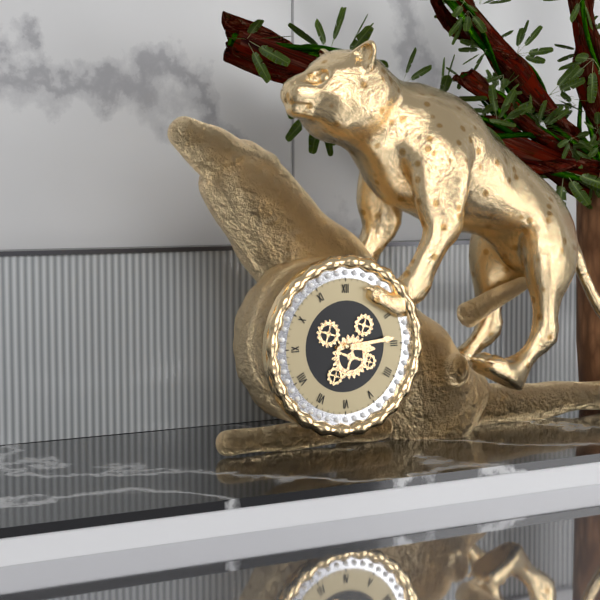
**3:14**
